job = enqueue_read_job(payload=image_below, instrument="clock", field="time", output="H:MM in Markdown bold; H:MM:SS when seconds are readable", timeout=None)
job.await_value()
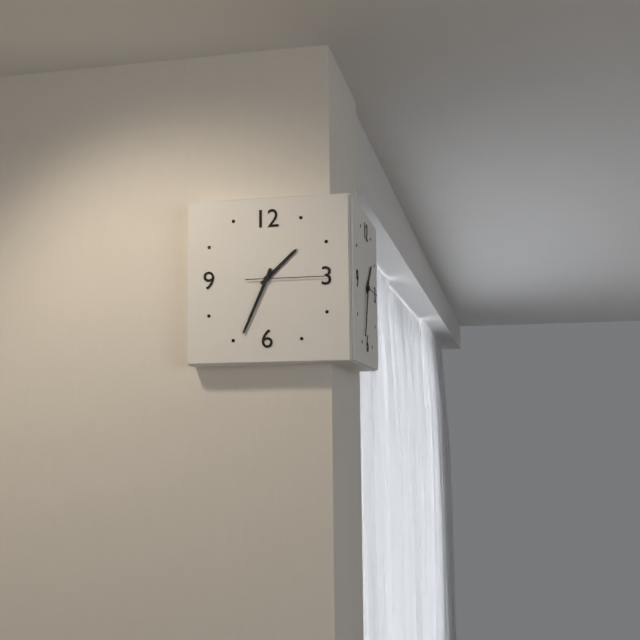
**1:34:15**
